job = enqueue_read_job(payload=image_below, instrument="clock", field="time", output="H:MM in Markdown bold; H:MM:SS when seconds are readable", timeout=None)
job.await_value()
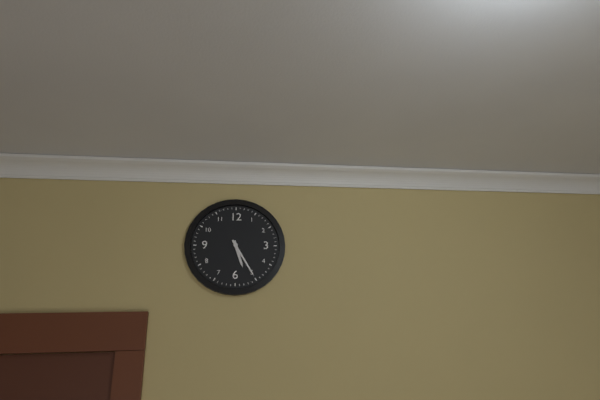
**5:25**
